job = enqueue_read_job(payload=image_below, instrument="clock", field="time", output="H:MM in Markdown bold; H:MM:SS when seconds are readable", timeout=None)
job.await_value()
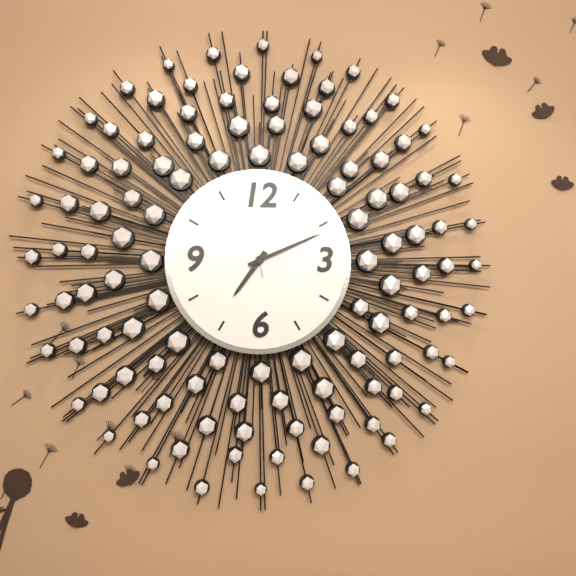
**7:11:58**
